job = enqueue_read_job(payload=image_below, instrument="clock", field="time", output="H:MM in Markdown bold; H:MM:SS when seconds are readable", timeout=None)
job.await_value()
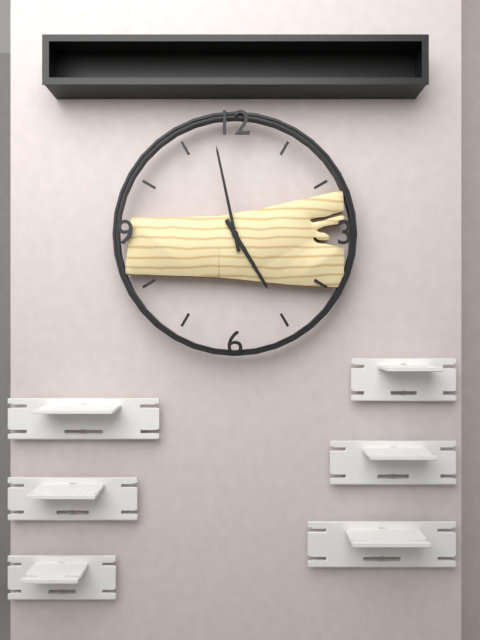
**4:58**
